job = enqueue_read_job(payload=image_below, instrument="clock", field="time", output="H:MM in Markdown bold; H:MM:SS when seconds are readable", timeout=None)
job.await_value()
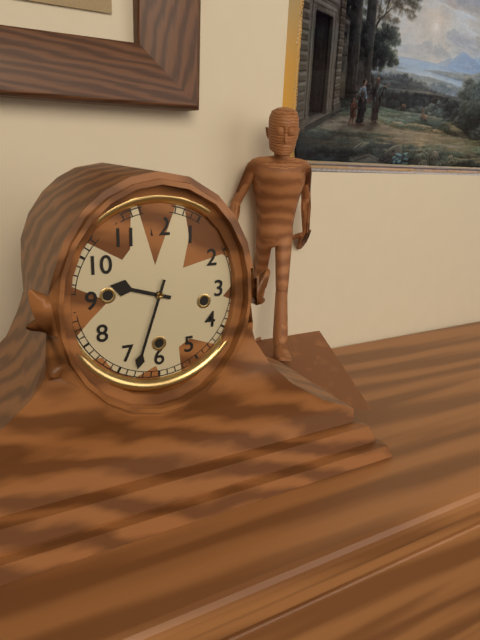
**9:33**
